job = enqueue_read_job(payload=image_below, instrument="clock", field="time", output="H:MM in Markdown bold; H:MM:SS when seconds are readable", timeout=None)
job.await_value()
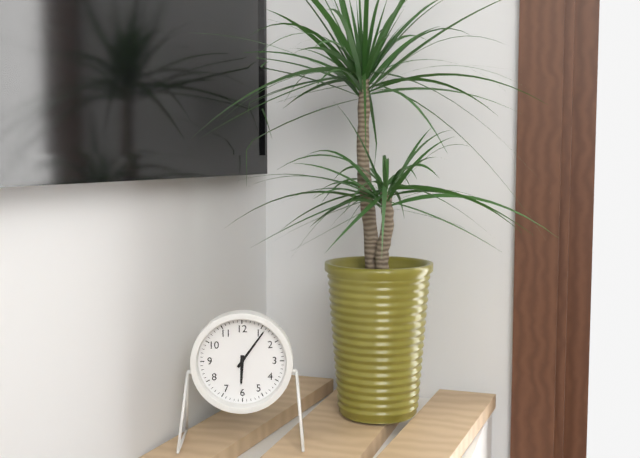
**6:06**
